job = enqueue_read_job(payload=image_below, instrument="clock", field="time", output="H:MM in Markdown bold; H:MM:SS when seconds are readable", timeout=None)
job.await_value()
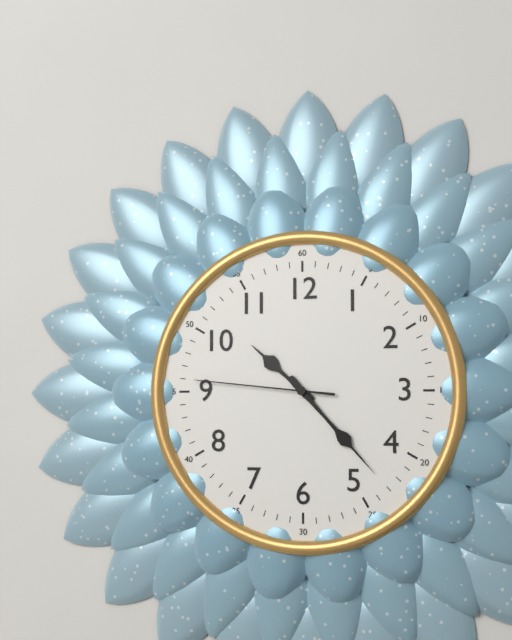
**10:23:46**
